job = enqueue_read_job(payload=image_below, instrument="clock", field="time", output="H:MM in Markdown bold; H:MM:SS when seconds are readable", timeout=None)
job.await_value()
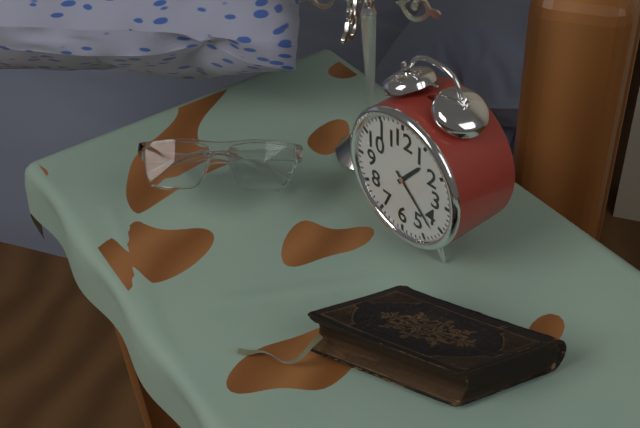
**1:22**
